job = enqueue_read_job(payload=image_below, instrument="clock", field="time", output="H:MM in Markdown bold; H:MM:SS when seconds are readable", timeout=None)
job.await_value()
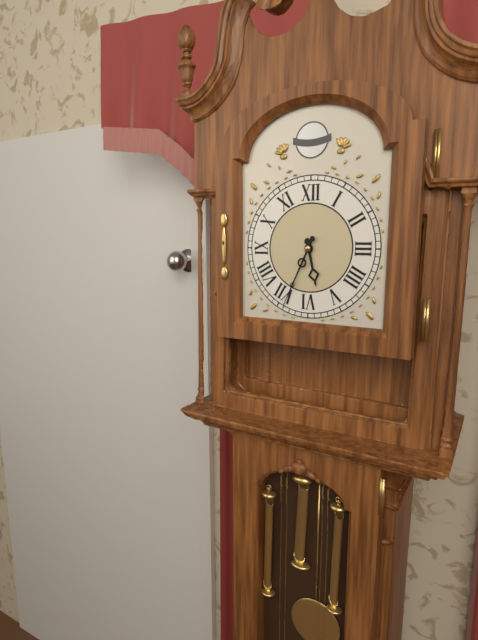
**5:34**
